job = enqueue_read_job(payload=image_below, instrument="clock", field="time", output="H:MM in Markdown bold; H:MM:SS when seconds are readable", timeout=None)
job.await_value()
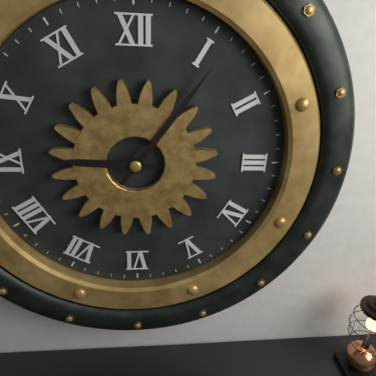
**9:06**
